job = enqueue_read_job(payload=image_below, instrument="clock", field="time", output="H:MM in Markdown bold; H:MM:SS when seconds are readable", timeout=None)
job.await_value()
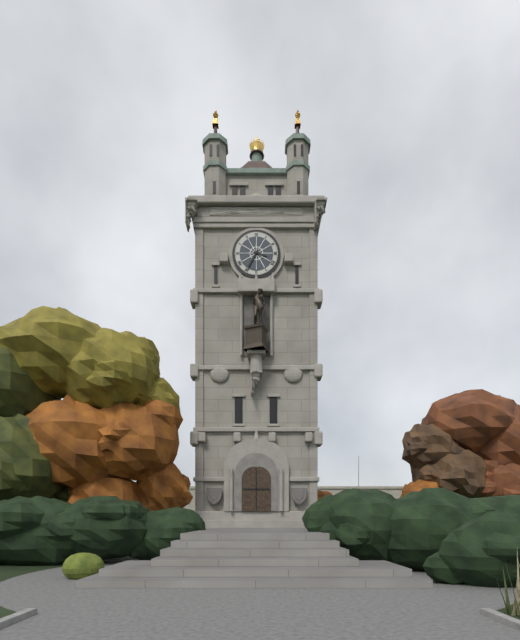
**3:35**
